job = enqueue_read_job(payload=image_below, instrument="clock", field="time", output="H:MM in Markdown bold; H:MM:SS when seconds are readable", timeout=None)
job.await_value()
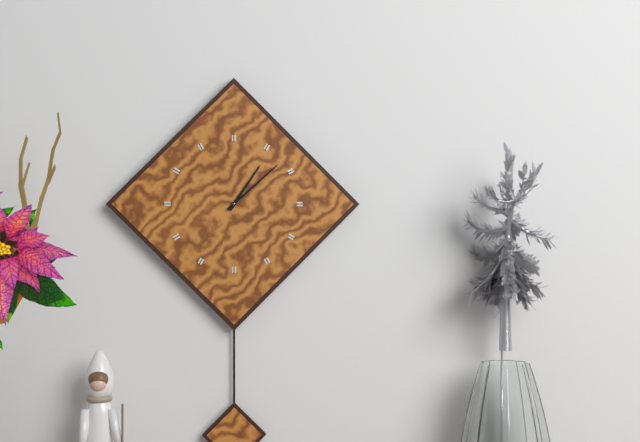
**1:08**
